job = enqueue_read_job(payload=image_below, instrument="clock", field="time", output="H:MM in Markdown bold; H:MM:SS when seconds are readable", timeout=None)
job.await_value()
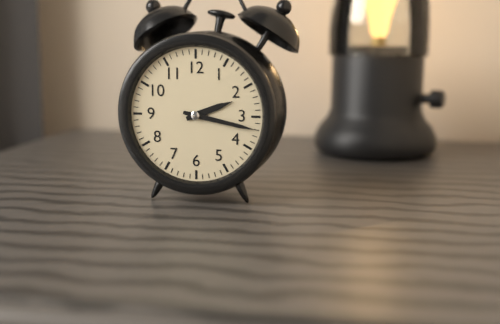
**2:17**
